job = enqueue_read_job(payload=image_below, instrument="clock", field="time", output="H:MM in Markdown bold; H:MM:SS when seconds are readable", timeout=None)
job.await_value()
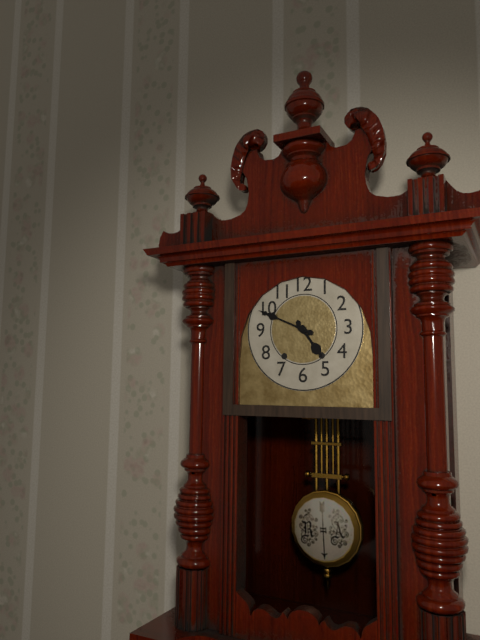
**4:49**
